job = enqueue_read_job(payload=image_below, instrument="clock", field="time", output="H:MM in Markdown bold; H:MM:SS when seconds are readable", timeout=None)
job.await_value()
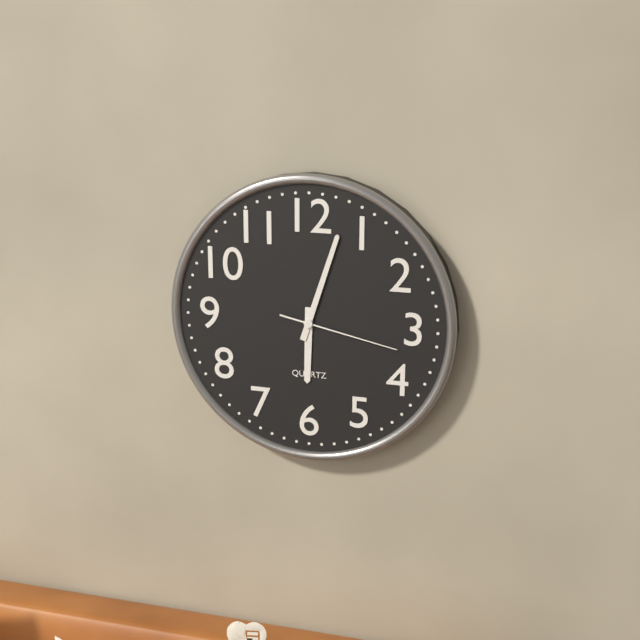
**6:03:17**
